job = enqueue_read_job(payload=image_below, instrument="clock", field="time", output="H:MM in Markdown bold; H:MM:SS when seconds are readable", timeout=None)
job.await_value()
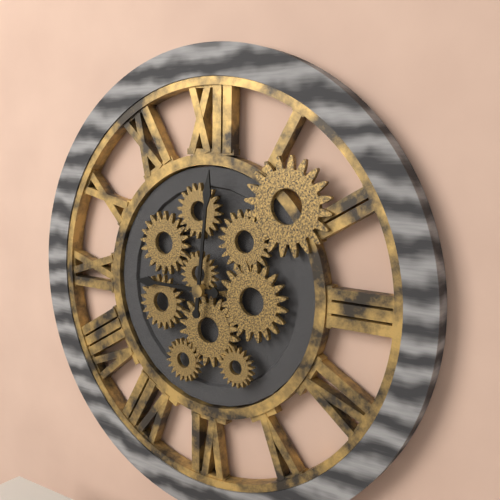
**9:01**
